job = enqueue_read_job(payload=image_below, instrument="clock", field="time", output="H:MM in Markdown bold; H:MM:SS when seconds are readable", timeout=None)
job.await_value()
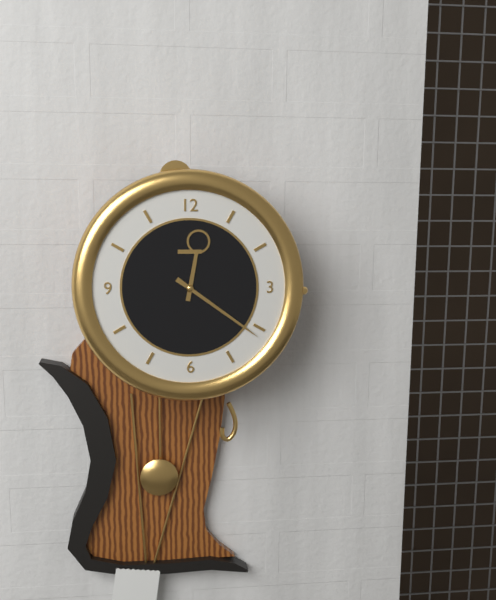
**12:21**
